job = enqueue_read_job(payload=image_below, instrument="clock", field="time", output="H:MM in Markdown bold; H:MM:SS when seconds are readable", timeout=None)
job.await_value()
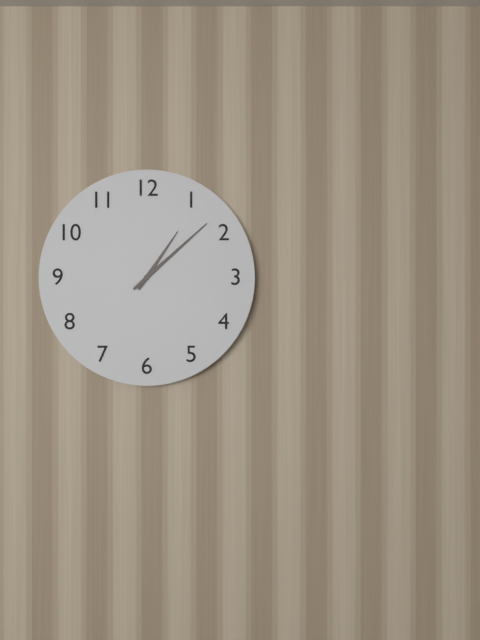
**1:08**
